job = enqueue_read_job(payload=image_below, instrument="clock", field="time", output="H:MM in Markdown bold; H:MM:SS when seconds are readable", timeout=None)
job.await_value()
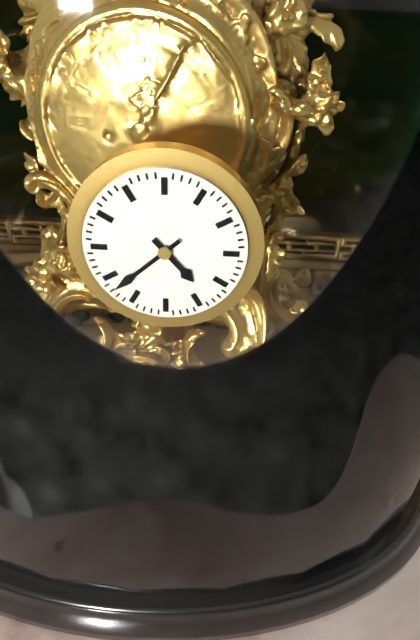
**4:38**
